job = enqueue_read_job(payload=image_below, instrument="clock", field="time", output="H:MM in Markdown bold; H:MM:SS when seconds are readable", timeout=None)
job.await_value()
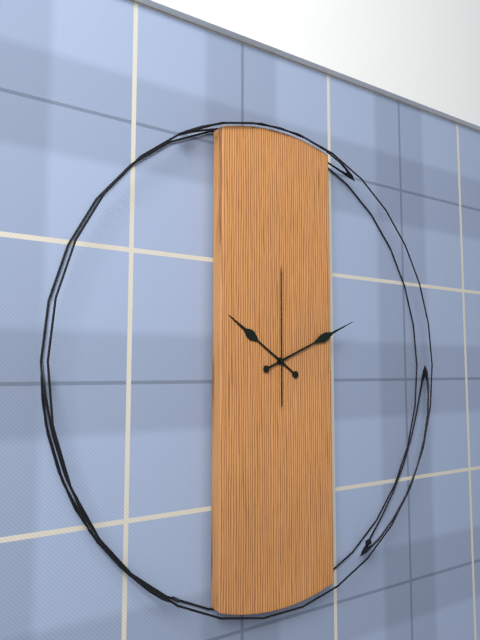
**10:11:00**
